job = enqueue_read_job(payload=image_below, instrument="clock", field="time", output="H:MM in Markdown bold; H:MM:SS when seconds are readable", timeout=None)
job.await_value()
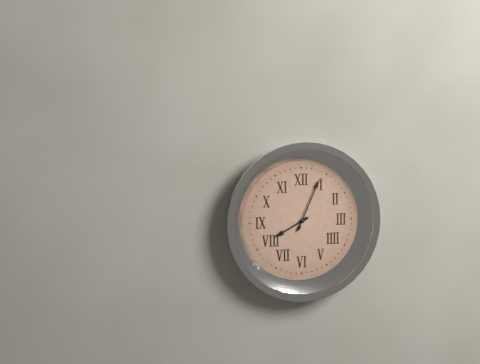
**8:04**
